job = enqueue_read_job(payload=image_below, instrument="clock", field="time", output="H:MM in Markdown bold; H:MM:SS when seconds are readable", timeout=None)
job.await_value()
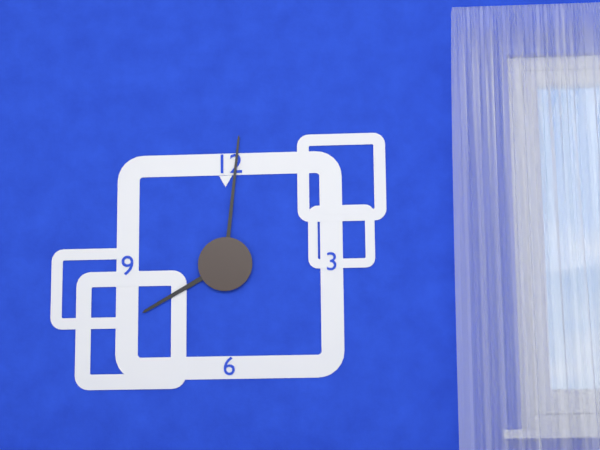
**8:01**
